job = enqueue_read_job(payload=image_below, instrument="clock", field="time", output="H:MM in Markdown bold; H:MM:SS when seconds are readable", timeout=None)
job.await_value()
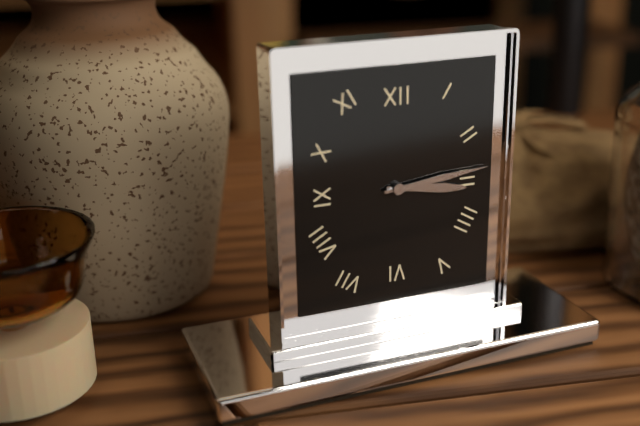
**3:14**
